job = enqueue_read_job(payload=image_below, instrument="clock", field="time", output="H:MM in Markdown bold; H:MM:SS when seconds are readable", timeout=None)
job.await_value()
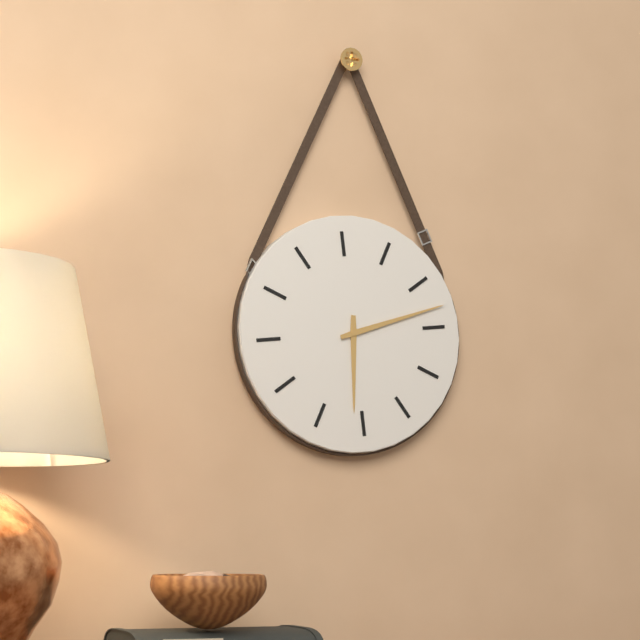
**6:13**
